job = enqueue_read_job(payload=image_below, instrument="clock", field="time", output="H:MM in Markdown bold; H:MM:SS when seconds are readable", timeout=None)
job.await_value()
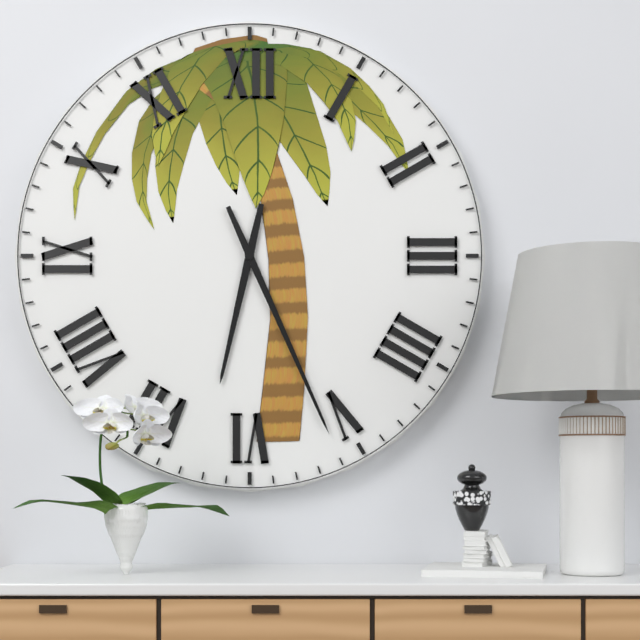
**6:26**
